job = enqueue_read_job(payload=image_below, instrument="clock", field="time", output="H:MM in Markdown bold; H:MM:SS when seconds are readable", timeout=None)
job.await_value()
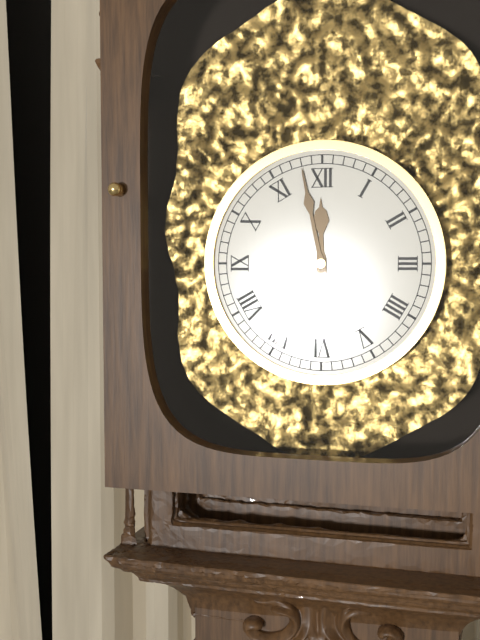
**11:58**
